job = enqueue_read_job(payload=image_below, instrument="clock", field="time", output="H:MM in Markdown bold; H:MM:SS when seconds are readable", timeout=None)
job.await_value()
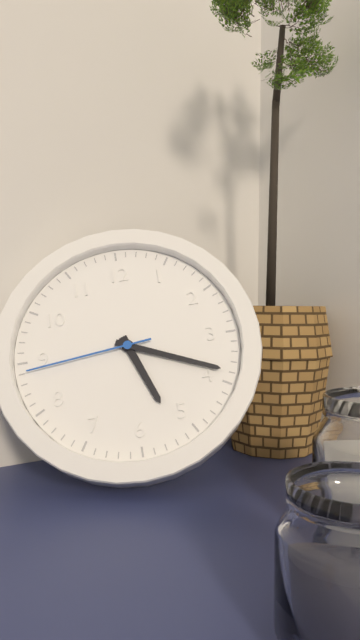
**5:19:44**
